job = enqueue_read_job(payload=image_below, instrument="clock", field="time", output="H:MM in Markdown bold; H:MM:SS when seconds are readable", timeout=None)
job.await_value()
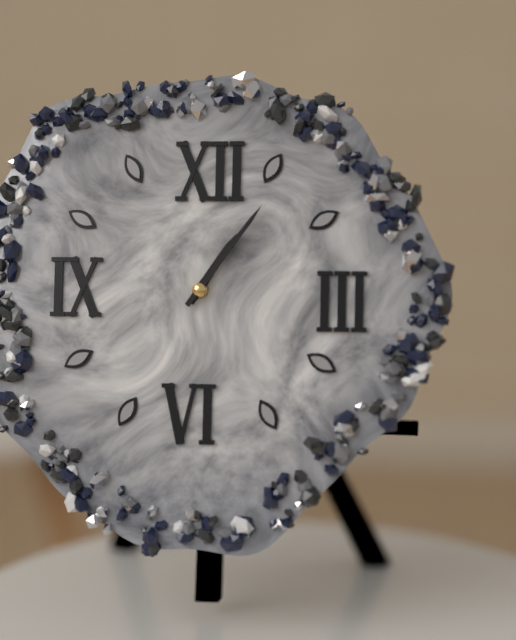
**1:06**
